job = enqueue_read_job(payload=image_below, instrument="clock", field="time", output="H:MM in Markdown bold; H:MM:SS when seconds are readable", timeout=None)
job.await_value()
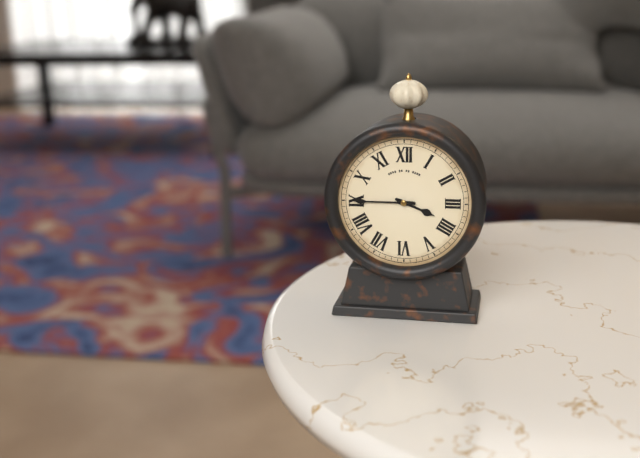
**3:45**
